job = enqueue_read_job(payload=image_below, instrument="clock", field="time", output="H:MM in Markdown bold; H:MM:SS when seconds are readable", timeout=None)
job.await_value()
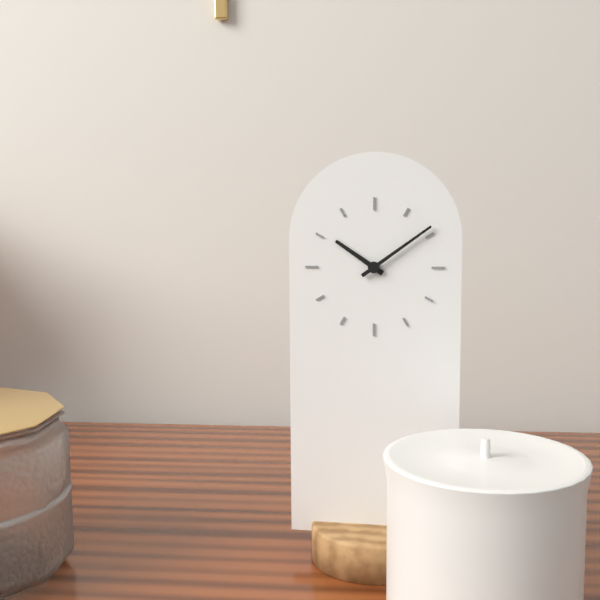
**10:09**
